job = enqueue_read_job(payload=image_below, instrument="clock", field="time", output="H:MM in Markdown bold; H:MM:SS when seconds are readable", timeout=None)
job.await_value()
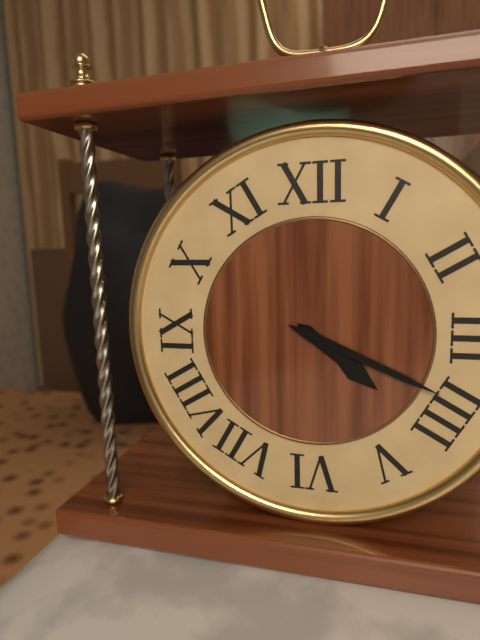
**4:19**
